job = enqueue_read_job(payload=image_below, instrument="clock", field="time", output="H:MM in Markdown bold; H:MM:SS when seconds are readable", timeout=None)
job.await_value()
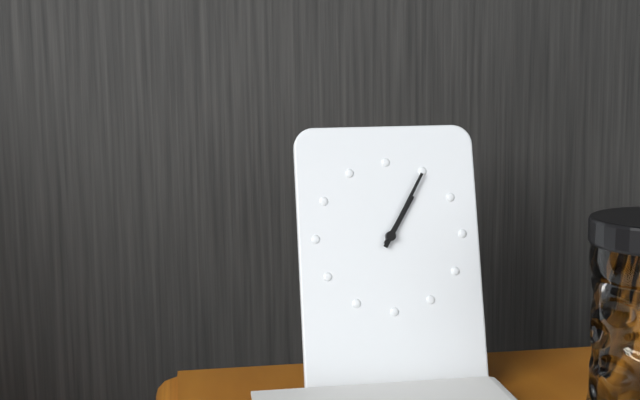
**1:05**
